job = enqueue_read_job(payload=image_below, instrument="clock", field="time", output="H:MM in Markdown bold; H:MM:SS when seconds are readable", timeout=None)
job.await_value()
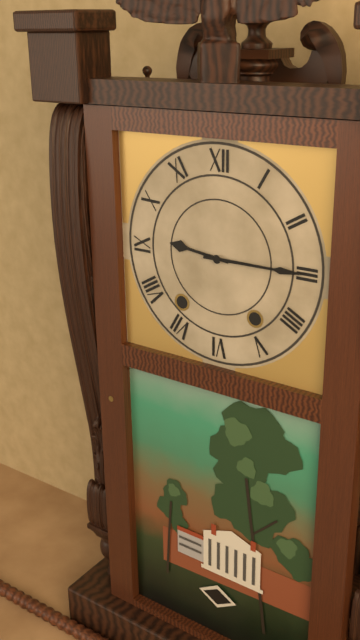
**9:15**
